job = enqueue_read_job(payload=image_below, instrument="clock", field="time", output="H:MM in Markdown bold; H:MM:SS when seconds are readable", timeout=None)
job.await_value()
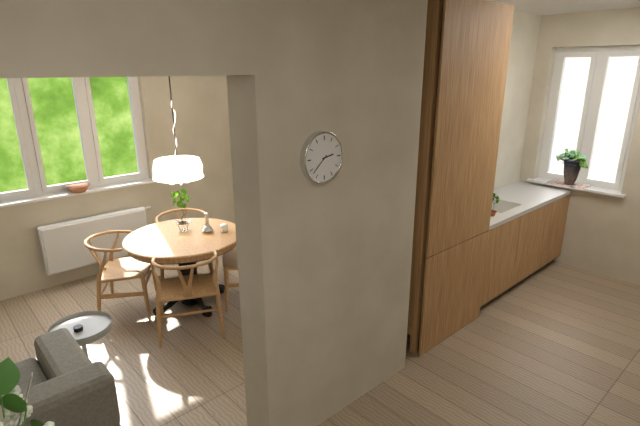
**2:38**
